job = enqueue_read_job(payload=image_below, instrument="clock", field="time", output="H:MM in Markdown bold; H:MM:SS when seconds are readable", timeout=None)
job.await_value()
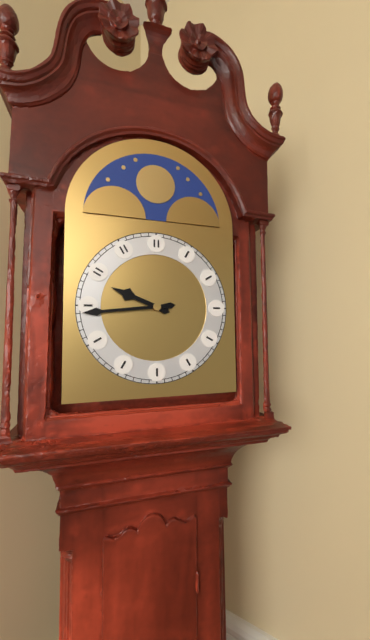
**9:44**
